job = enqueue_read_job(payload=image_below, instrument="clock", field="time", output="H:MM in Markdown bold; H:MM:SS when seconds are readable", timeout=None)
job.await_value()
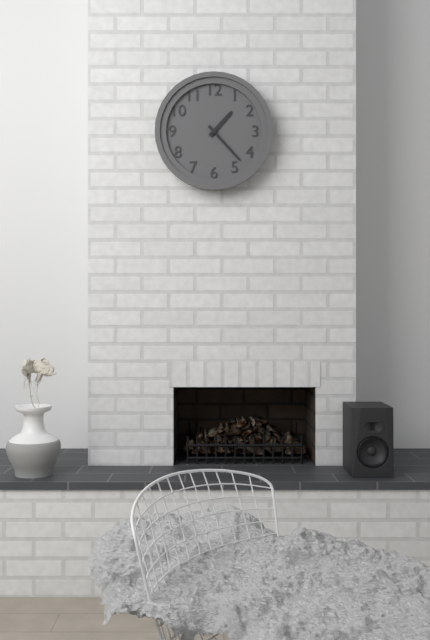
**1:23**
